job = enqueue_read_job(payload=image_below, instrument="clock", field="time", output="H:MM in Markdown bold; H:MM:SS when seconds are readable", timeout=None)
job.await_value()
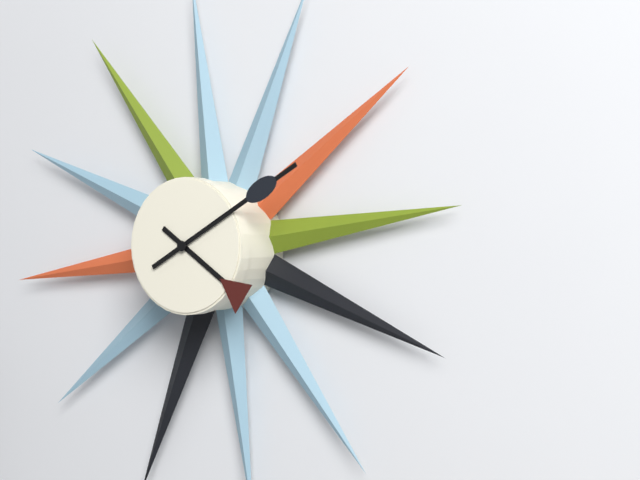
**4:10**
